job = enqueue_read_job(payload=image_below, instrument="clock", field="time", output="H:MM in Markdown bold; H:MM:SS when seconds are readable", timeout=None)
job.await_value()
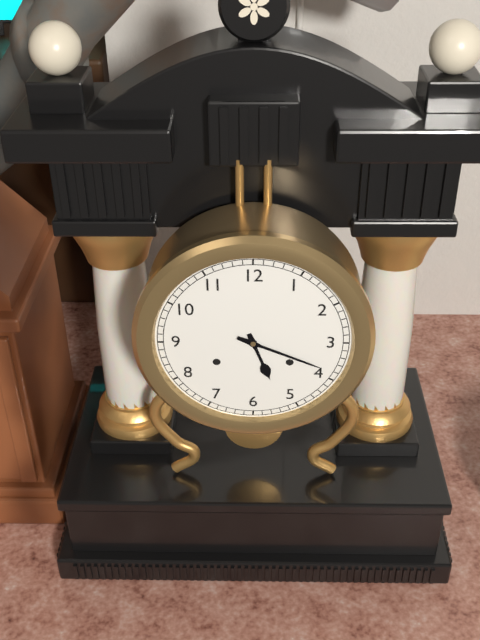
**5:19**
